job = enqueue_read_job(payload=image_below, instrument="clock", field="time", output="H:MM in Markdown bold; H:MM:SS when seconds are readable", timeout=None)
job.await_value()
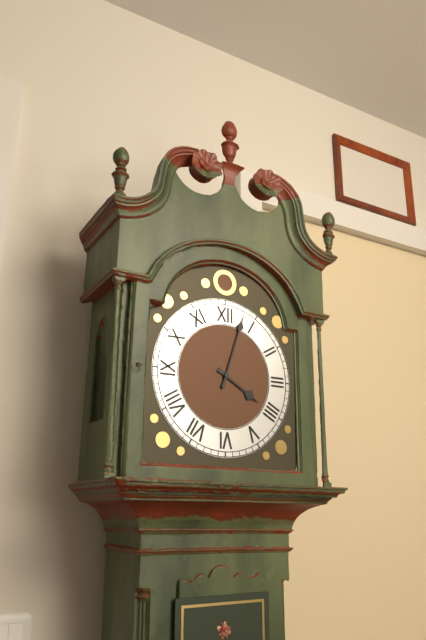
**4:03**
